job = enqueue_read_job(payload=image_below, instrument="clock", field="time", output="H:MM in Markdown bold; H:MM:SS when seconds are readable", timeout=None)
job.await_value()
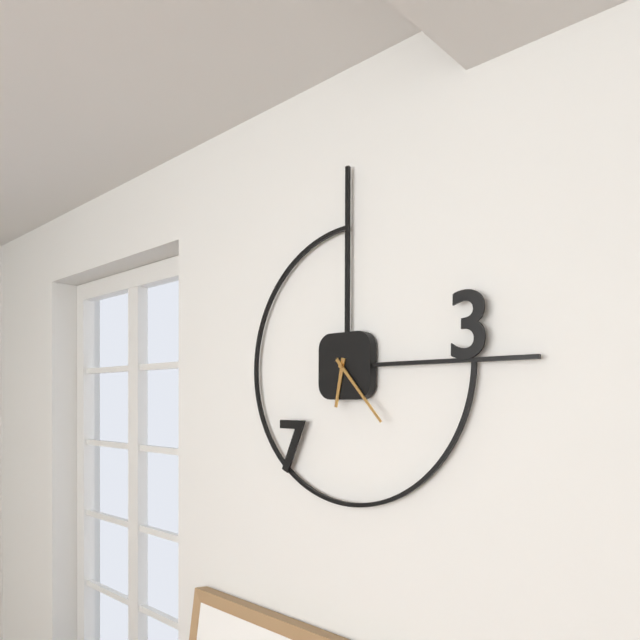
**6:23**
